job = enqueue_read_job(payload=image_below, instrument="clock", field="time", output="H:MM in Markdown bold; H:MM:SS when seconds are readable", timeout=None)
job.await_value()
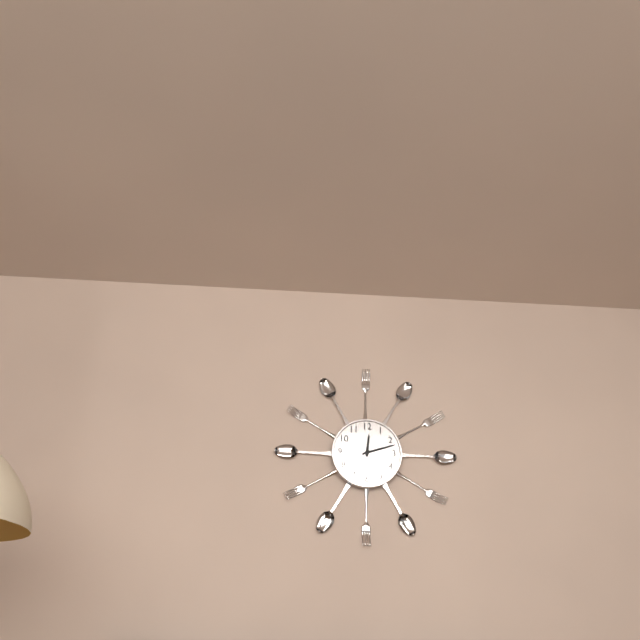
**12:12**
